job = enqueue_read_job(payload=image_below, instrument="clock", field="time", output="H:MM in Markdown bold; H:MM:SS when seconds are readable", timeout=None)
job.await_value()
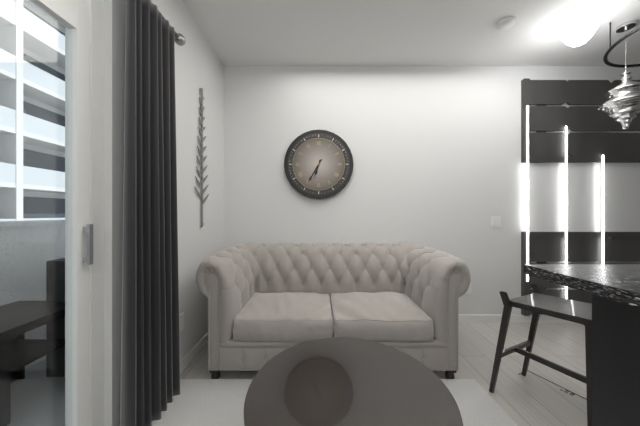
**6:35**
